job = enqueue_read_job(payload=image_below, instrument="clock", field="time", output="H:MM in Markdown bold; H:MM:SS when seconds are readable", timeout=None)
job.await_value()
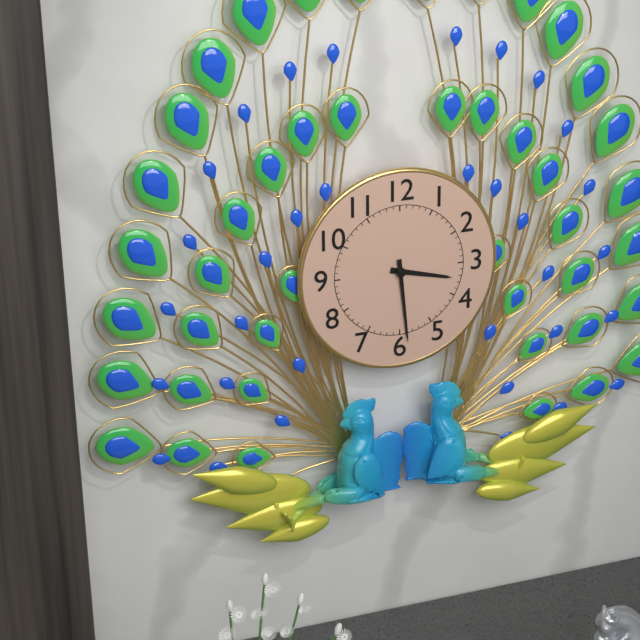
**3:29**
